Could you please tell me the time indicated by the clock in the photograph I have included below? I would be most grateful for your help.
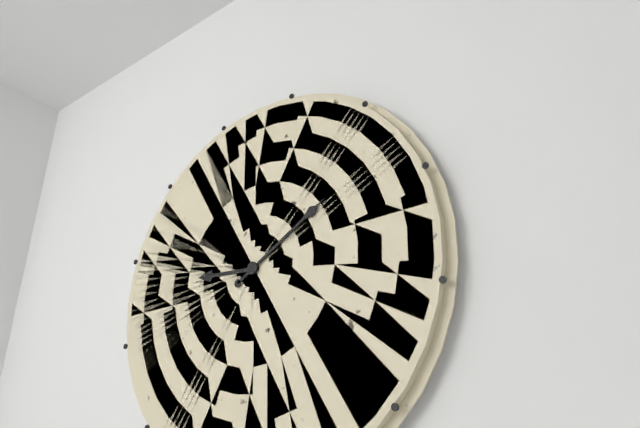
9:10
